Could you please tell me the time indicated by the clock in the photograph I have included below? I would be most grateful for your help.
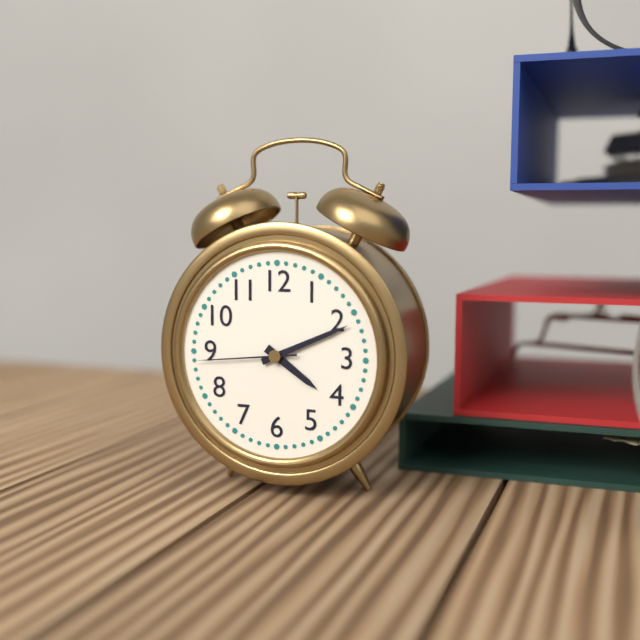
4:11:44
